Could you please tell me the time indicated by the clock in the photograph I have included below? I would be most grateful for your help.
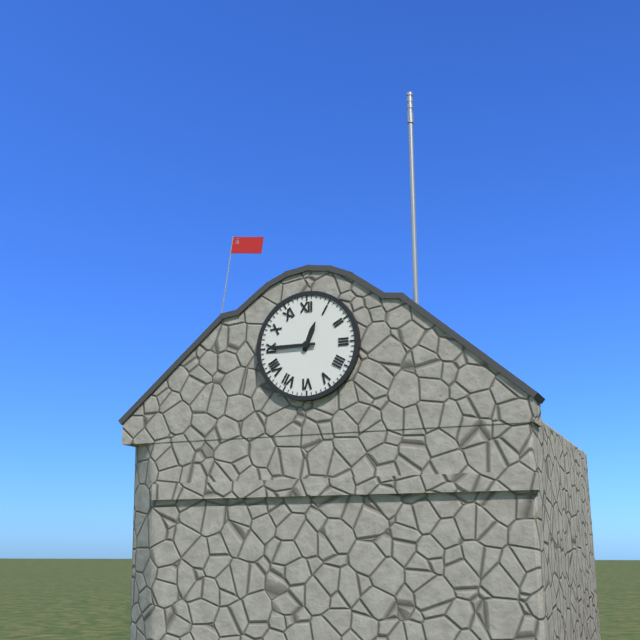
12:45
